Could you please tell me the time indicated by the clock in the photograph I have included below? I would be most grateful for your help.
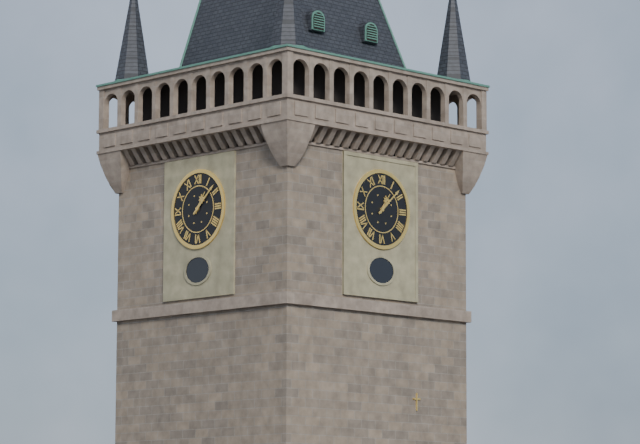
1:08
